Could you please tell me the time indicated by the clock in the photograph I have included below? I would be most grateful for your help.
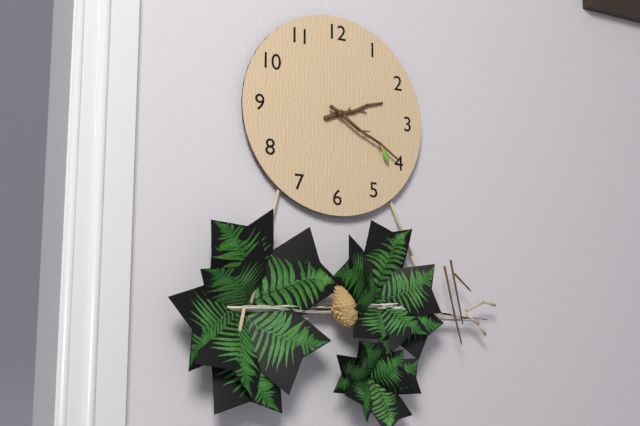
2:20
